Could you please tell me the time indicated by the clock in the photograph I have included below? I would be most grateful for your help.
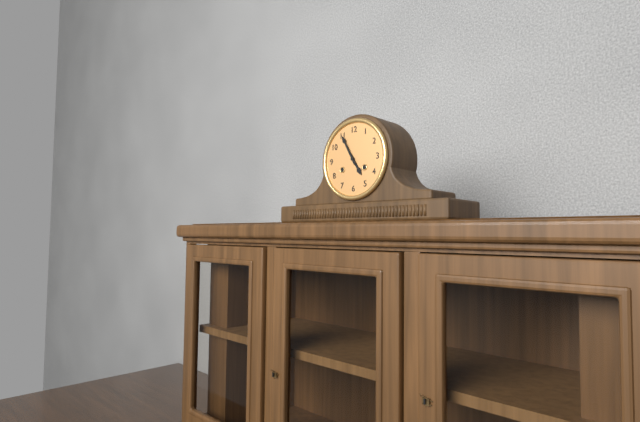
4:55
